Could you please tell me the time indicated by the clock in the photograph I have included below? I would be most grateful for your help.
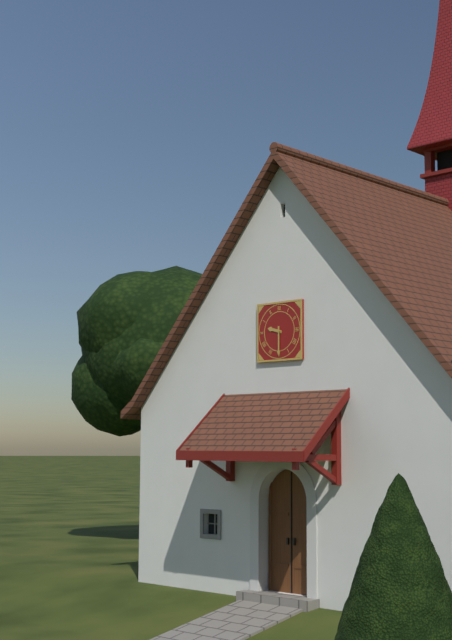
9:30
